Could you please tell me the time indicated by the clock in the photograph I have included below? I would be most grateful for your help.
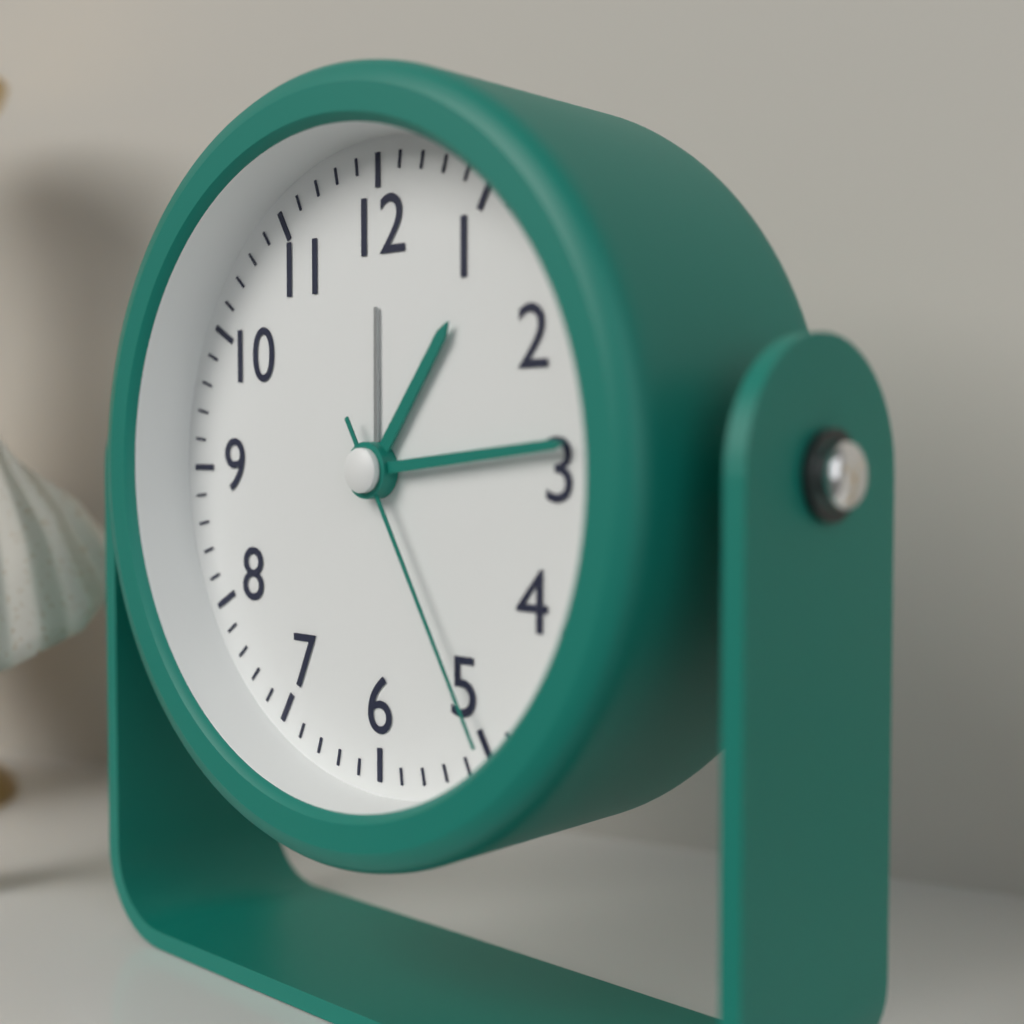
1:14:25
